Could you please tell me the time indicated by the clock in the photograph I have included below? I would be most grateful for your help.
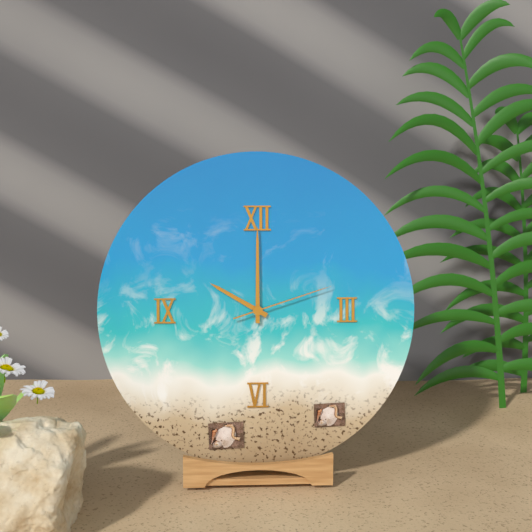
10:00:12
